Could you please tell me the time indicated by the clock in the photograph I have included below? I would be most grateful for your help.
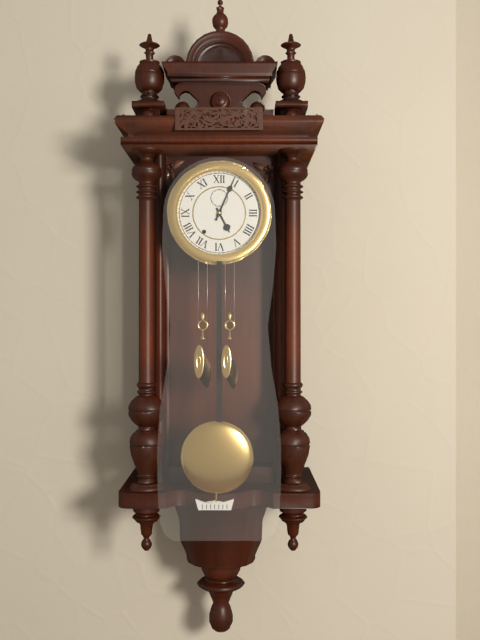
5:04
